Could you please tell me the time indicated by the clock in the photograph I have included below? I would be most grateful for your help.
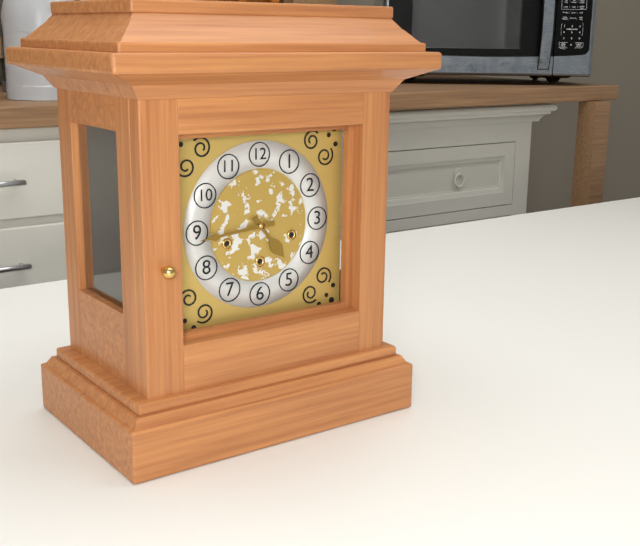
4:44
